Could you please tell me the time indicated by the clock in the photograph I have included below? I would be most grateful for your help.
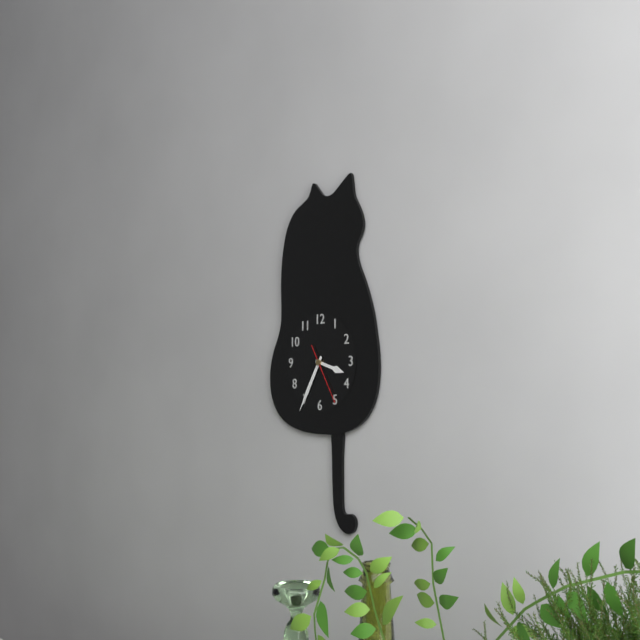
3:35:25
